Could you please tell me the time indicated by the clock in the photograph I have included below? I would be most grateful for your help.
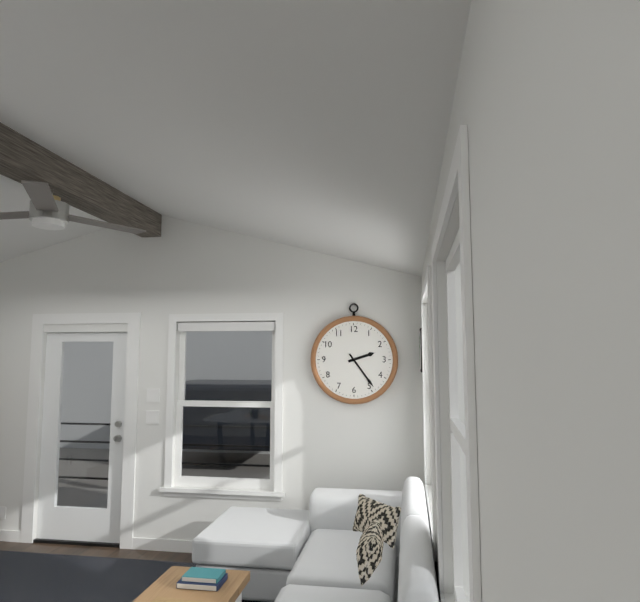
2:24
